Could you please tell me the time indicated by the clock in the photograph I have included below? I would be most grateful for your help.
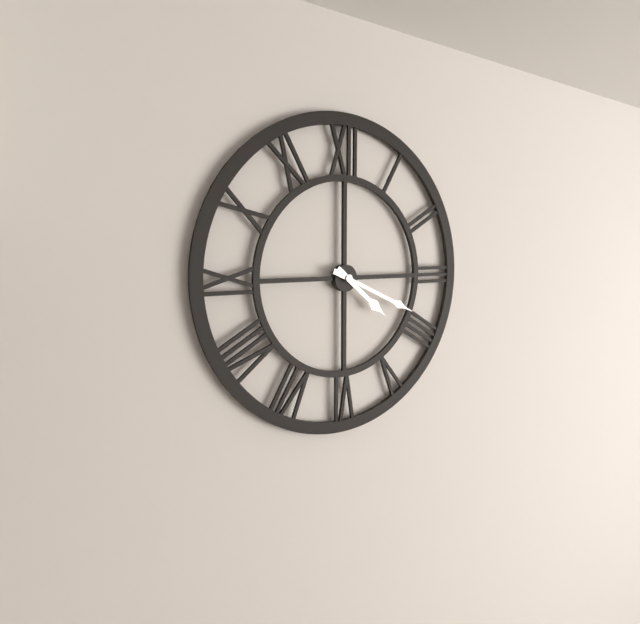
4:19
